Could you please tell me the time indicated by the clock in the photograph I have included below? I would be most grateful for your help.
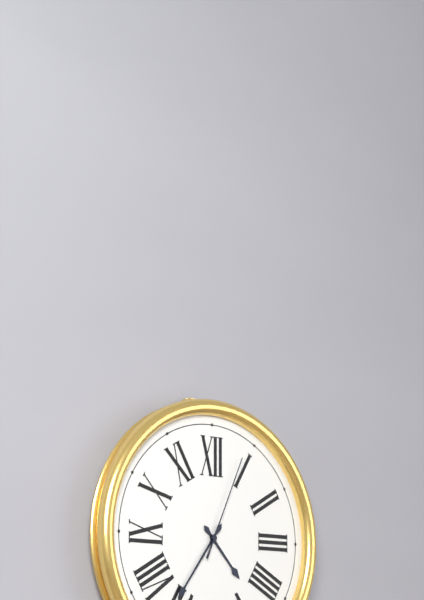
4:36:04
